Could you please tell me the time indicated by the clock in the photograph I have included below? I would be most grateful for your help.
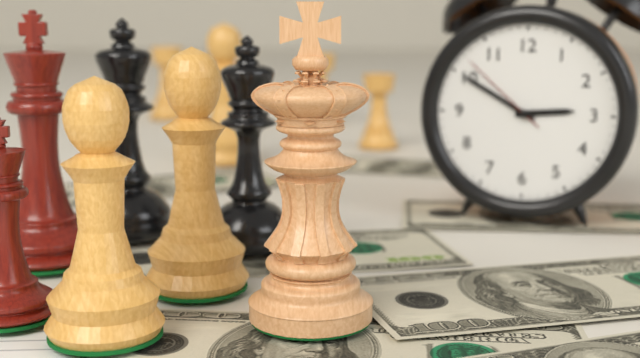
2:50:52
